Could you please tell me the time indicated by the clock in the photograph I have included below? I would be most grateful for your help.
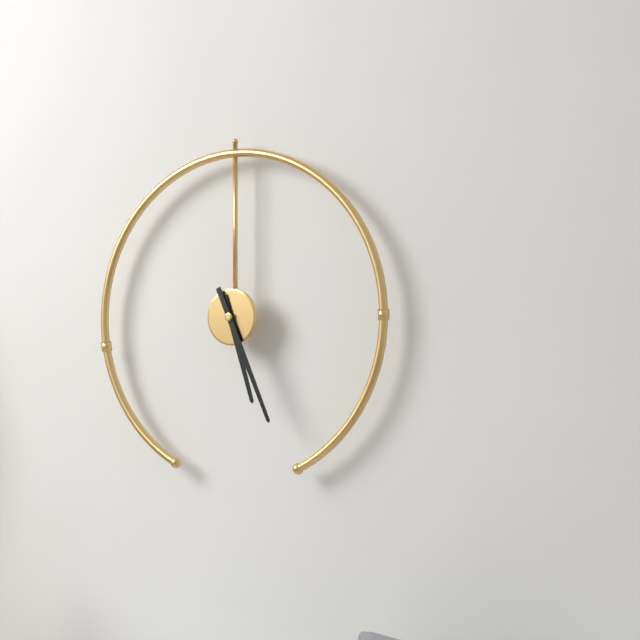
5:26
